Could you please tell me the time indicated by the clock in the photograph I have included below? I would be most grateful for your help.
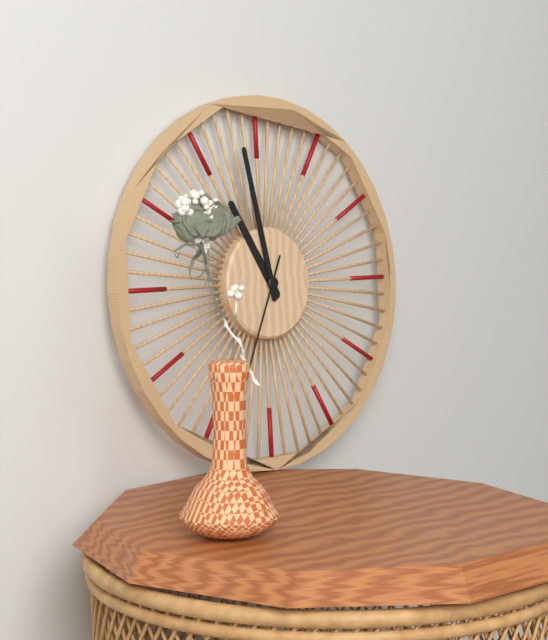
10:58:34
